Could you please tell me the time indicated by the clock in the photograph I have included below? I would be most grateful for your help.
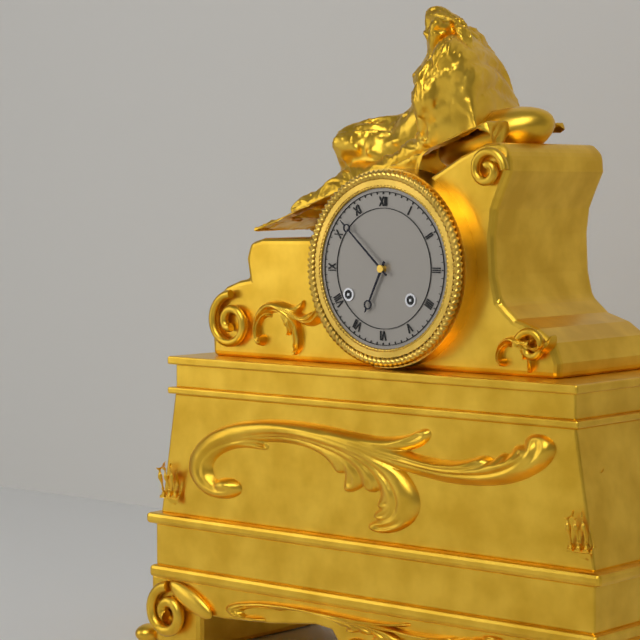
6:52
